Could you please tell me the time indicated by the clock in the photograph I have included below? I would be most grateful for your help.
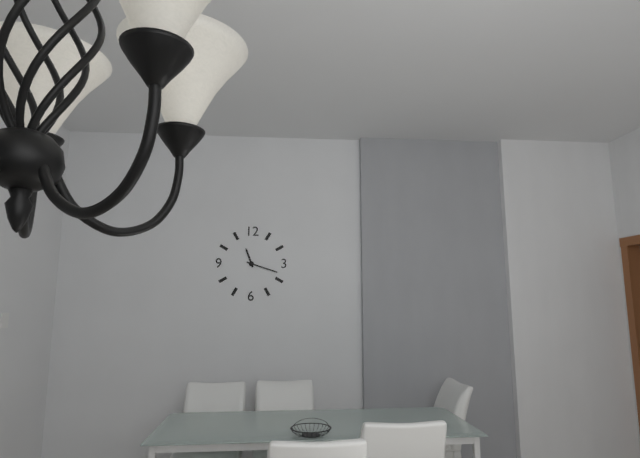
11:18
